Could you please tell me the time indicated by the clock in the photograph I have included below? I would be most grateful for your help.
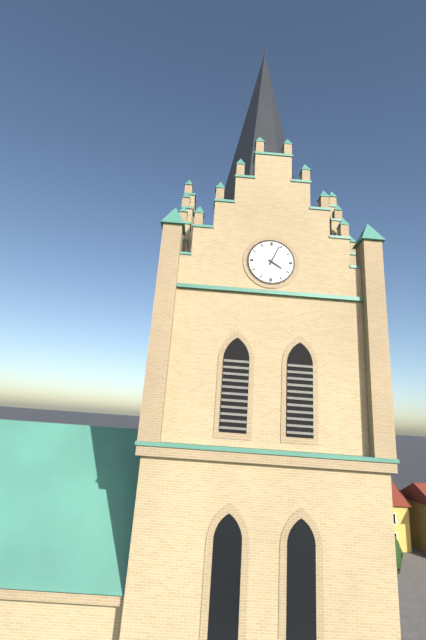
4:04
